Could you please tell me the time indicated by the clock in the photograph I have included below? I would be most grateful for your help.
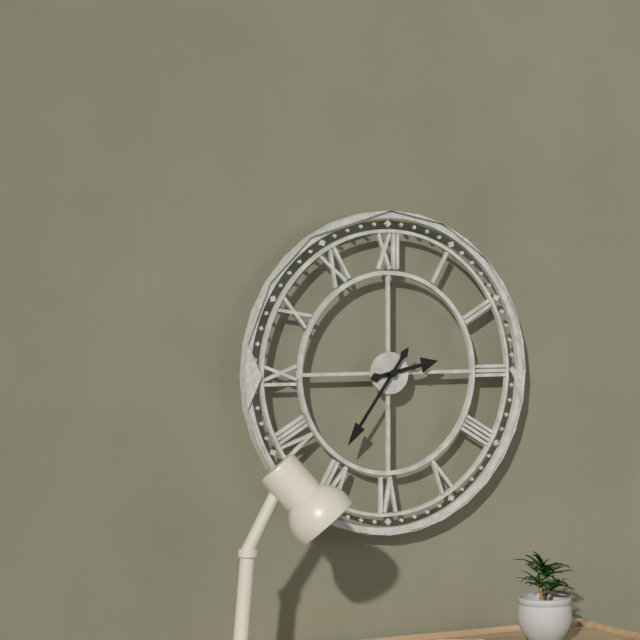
2:36
